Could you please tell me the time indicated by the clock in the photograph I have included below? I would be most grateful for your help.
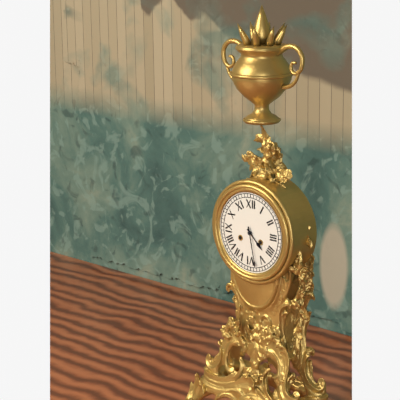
4:28
